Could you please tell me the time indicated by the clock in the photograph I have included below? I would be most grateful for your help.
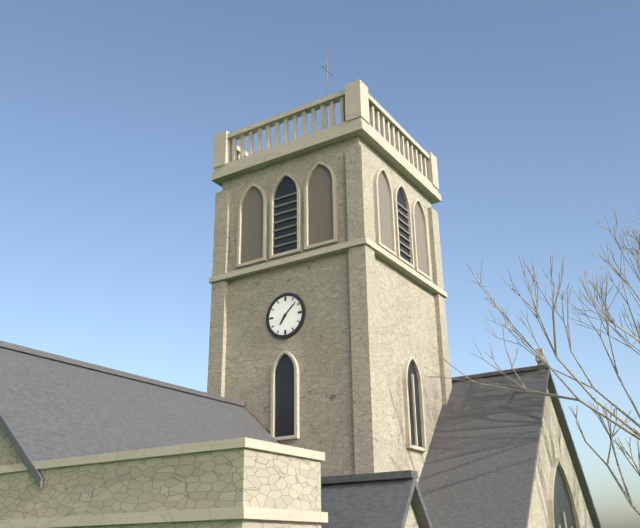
7:08
